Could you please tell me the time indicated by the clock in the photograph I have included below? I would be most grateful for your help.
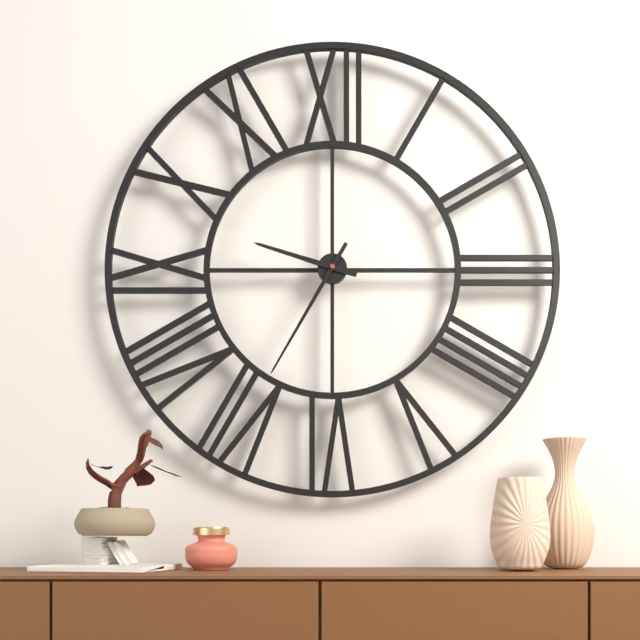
9:35
